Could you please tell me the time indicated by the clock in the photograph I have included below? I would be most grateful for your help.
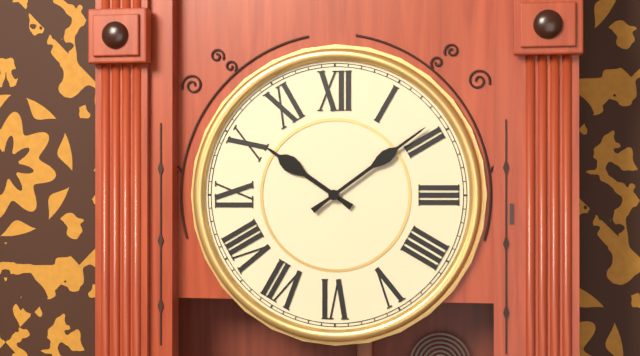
10:09
